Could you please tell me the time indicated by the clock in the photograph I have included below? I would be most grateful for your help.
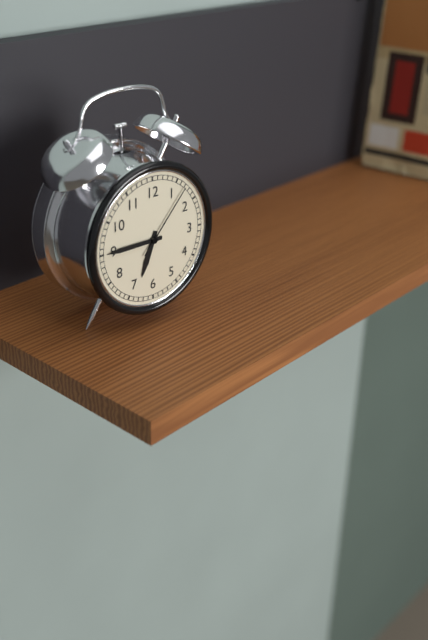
6:45:07
